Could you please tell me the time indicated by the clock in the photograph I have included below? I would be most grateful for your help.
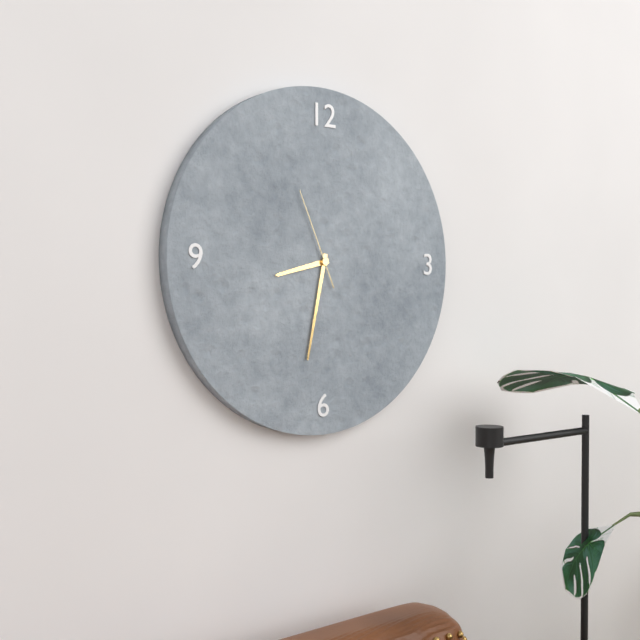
8:32:56
